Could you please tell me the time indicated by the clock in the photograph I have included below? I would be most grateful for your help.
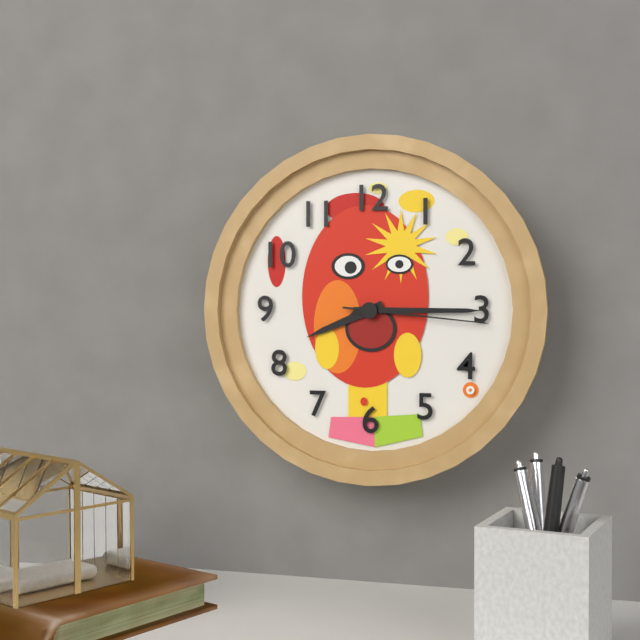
8:15:16
